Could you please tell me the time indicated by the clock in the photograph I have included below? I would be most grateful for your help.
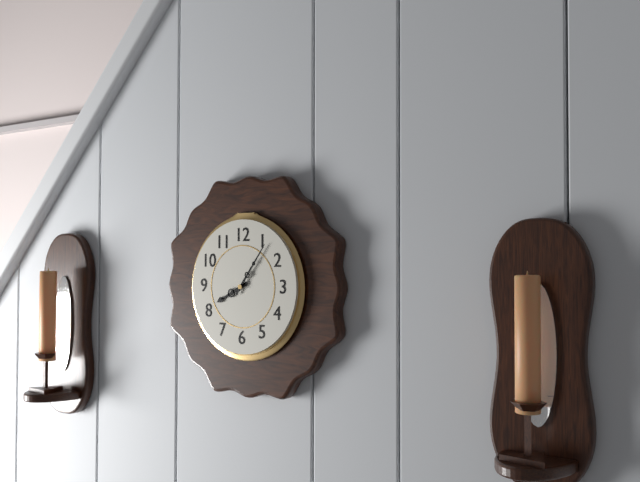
8:06
